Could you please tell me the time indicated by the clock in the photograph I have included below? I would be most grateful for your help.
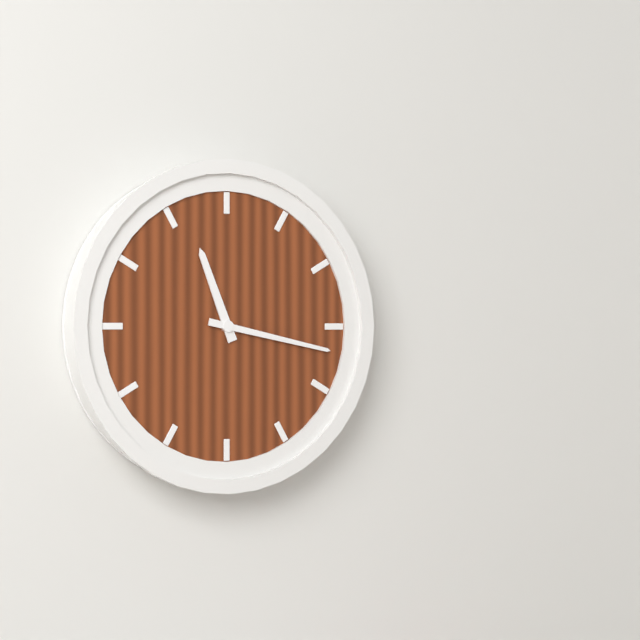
11:17
